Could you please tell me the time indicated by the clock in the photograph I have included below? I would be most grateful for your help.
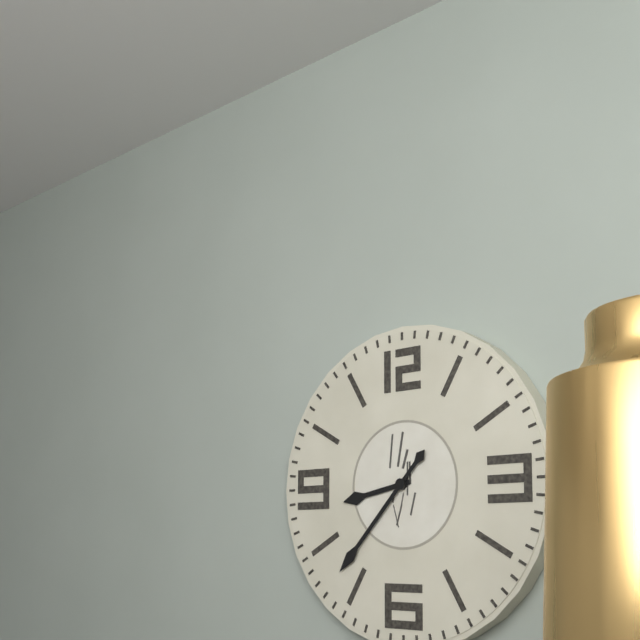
8:37
